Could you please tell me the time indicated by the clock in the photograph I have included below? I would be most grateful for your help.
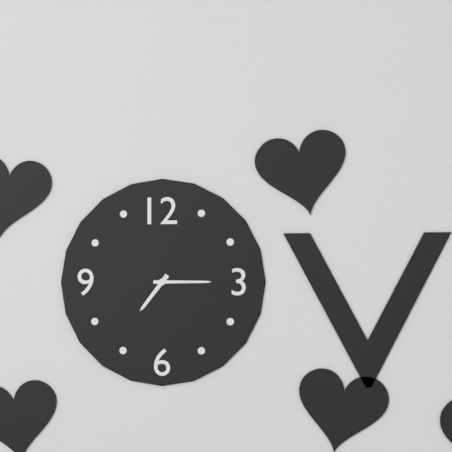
7:15
